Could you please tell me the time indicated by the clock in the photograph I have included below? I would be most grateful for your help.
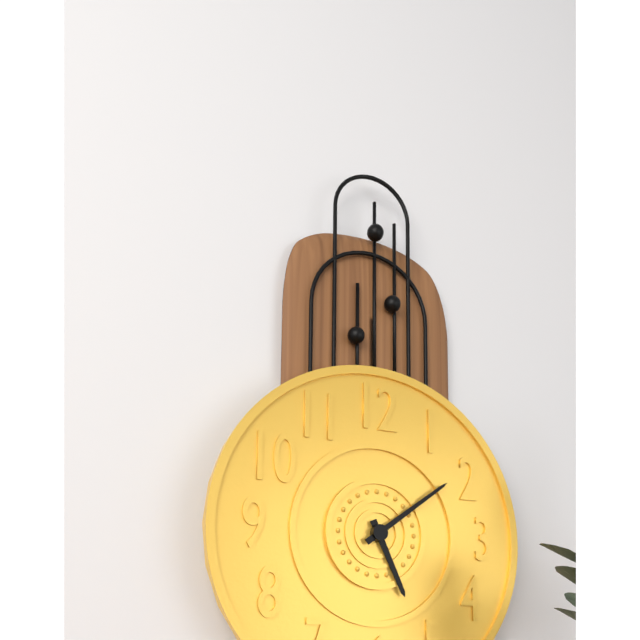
5:09
